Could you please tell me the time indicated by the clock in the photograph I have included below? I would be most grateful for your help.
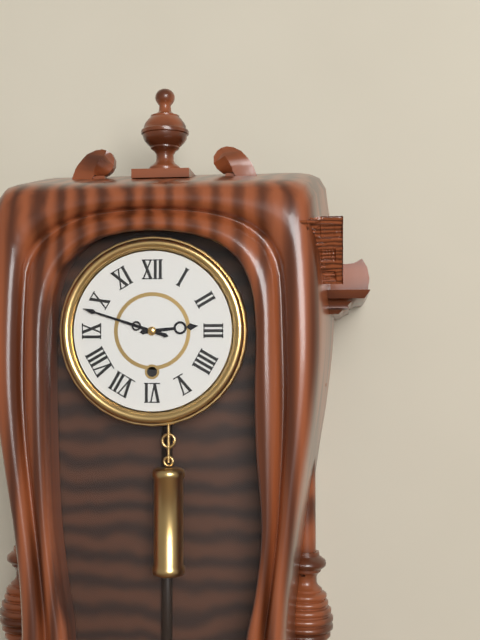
2:48
